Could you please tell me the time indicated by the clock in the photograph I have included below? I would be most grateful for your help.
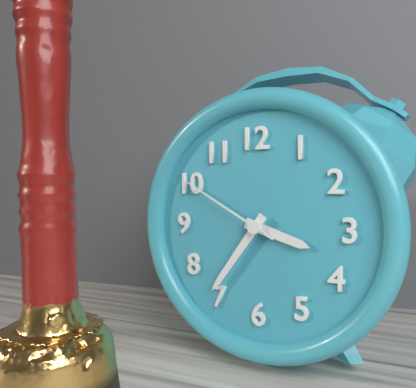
3:36:50
